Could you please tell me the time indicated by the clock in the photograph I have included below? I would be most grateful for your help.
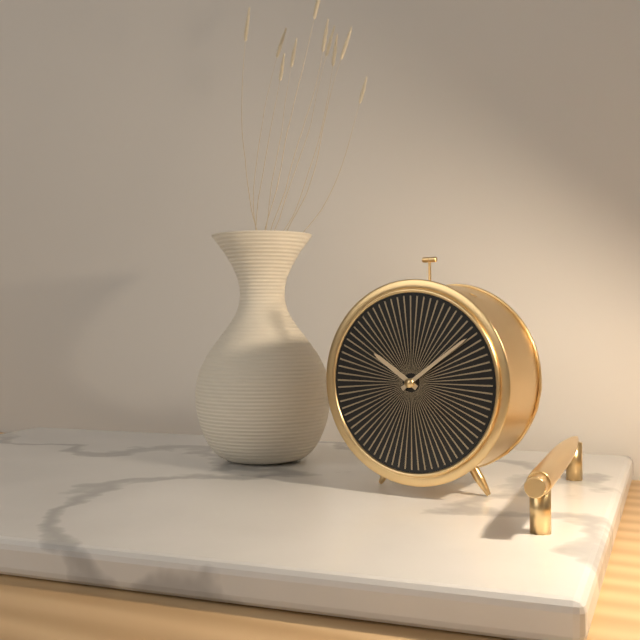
10:09
